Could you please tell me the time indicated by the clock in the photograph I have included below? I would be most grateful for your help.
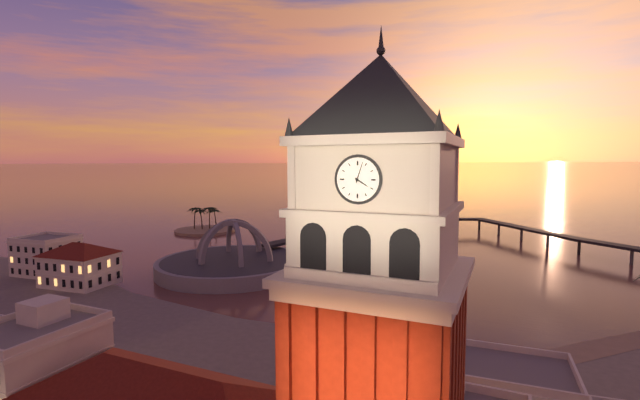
4:03
